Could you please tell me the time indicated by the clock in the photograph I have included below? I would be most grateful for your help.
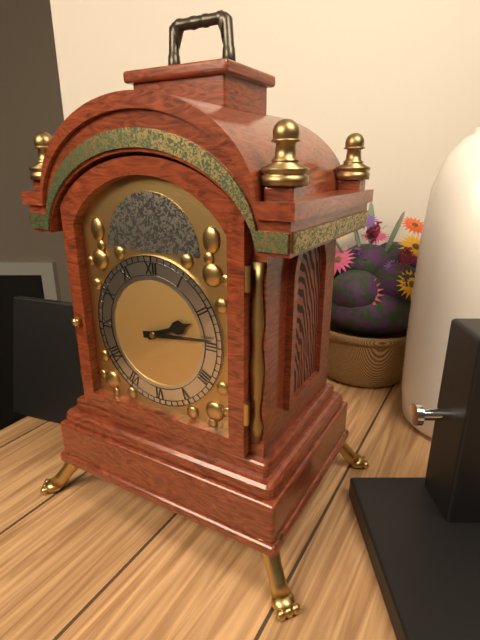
2:14
